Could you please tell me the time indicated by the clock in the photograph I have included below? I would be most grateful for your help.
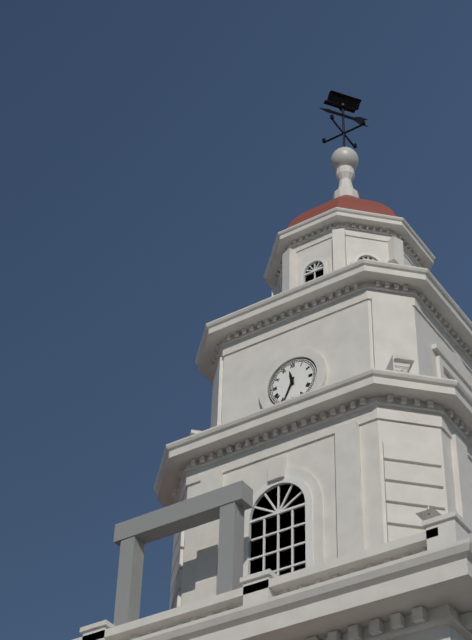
11:34
